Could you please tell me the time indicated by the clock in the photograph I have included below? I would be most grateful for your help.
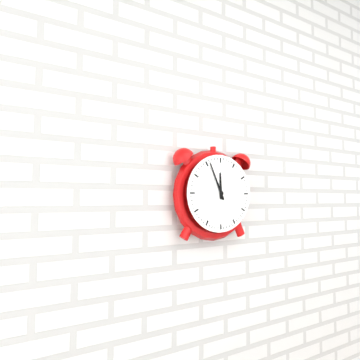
11:56
